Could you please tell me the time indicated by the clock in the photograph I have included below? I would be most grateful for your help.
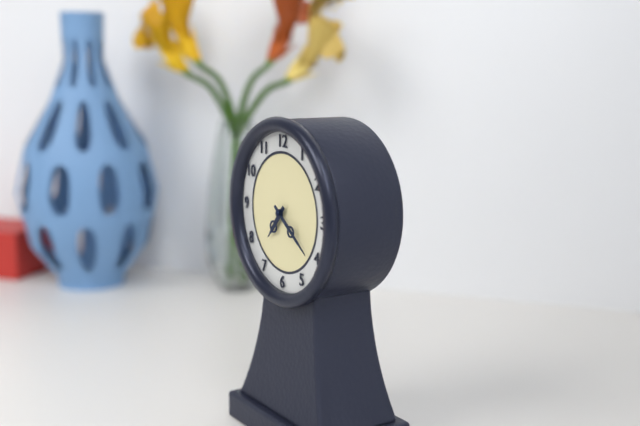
7:21
